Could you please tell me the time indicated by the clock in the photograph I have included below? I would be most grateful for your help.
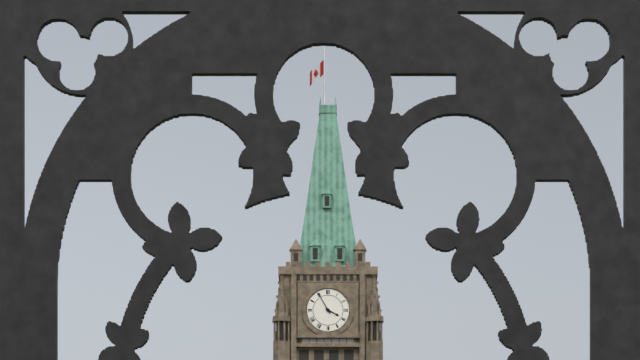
3:55
